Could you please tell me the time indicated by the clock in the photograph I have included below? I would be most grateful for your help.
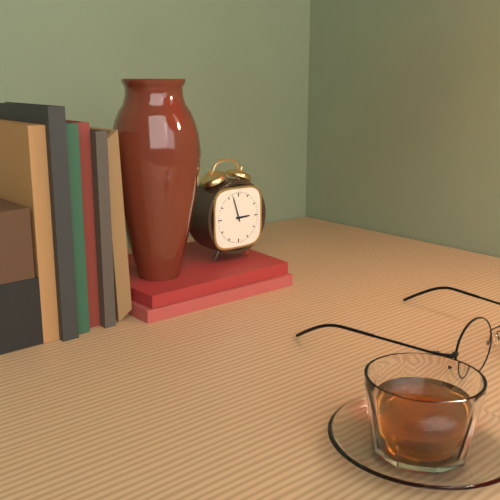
2:57
